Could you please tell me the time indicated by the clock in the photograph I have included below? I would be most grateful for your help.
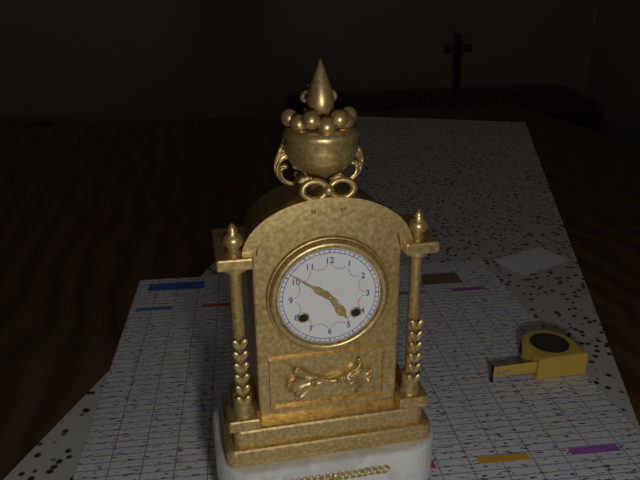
4:51
